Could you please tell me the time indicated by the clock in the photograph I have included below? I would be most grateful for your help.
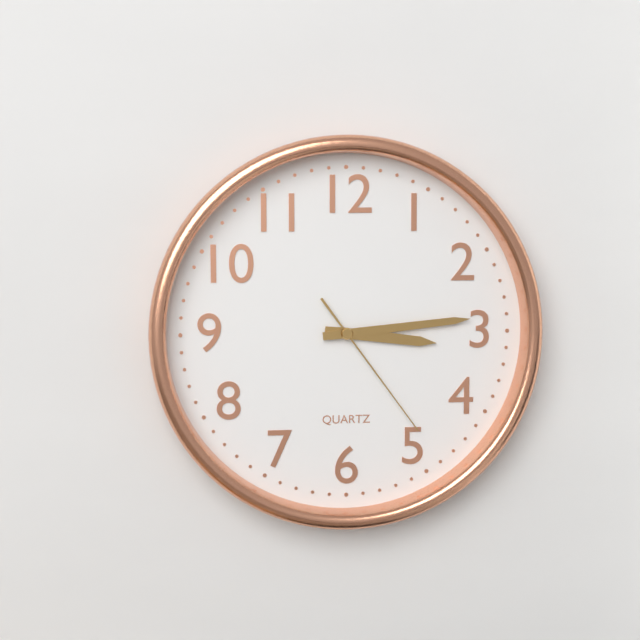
3:14:24
